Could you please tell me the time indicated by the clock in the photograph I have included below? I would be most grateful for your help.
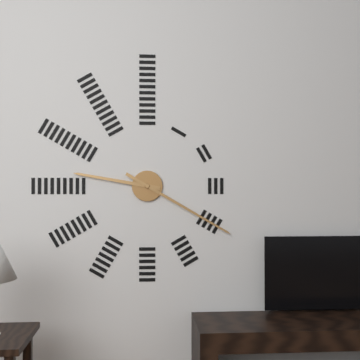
9:20
